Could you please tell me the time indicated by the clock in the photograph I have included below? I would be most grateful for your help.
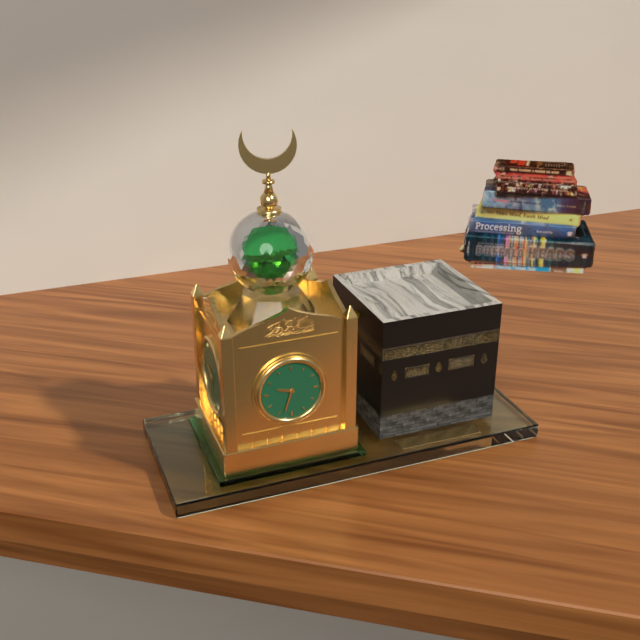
9:33
